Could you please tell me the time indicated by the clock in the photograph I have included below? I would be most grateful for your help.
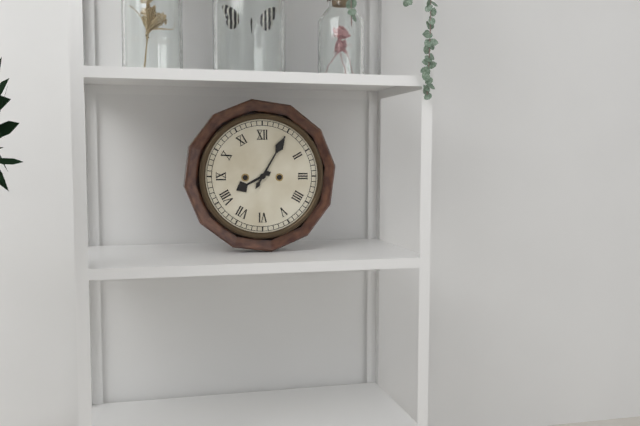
8:05
